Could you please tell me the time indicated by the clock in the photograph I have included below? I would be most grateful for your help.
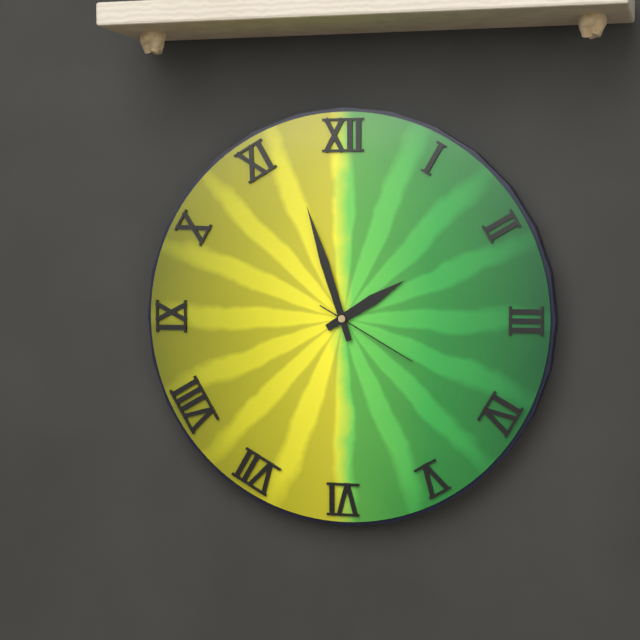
1:57:20
